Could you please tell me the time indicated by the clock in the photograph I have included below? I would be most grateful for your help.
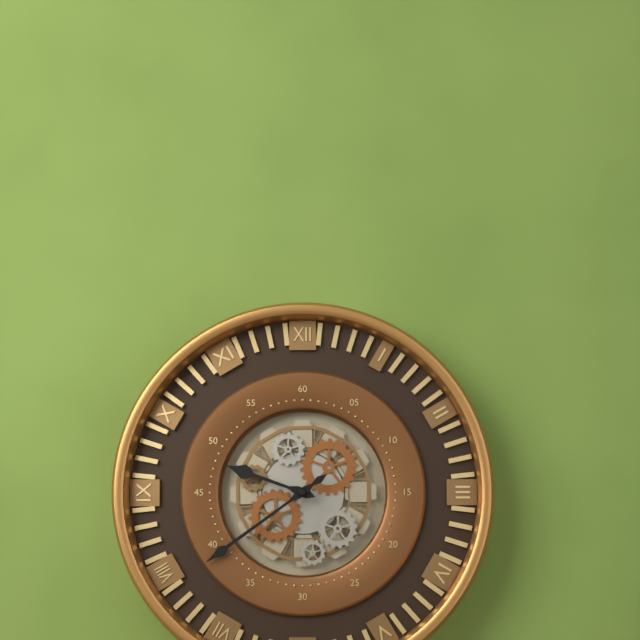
9:39
